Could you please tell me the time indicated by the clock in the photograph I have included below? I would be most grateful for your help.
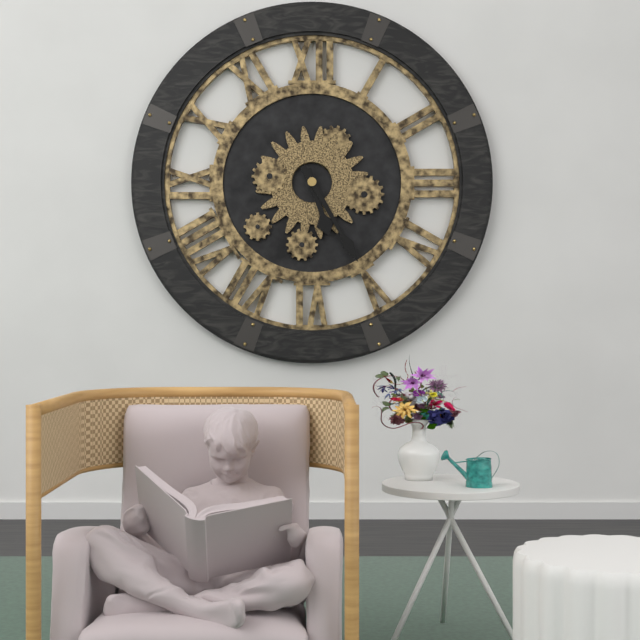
5:25
